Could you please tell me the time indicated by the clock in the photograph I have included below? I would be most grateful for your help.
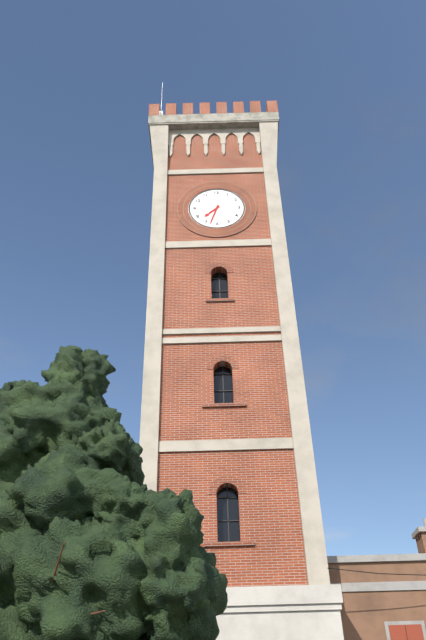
7:33
